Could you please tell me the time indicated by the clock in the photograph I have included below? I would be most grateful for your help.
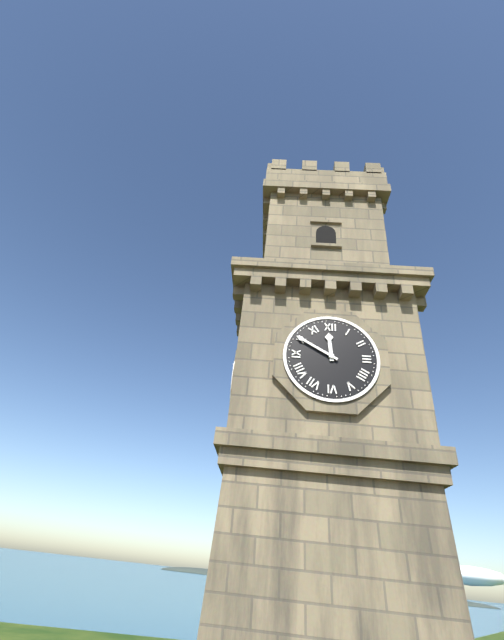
11:50
